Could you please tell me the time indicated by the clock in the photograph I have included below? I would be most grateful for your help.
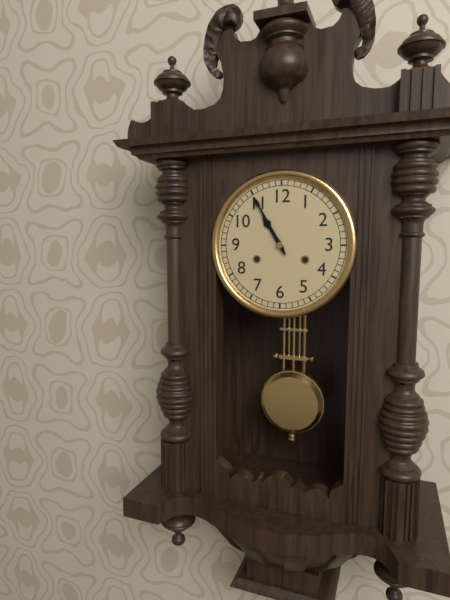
10:55
